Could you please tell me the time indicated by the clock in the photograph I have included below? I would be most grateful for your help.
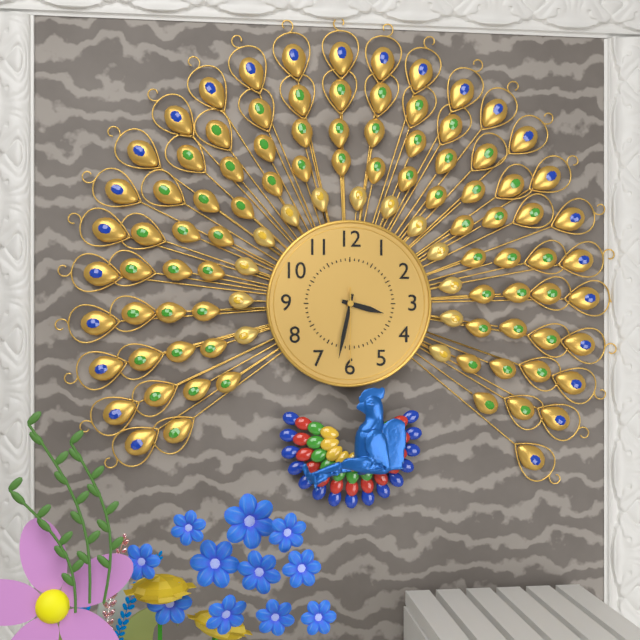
3:32:30
